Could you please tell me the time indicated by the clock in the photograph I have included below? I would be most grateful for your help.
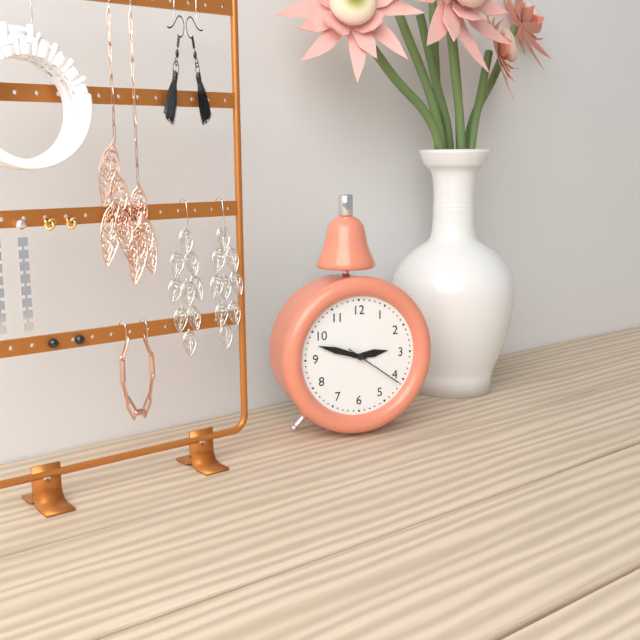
2:48:21
